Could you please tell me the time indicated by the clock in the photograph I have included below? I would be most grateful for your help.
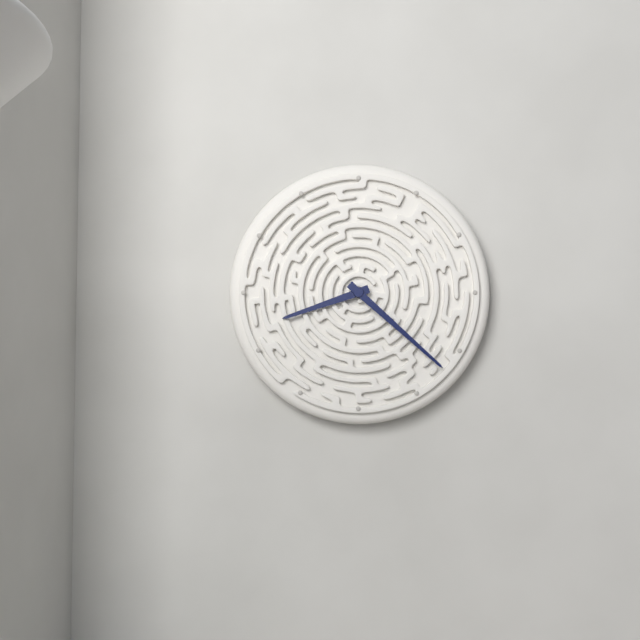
8:22
